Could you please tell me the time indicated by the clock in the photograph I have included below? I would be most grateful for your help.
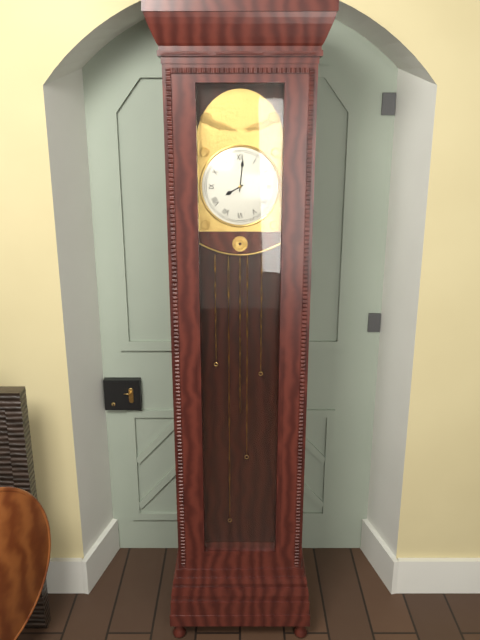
8:01
